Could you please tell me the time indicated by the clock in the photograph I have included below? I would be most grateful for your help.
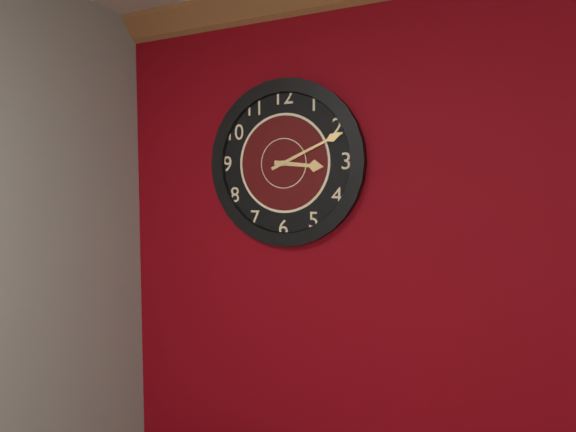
3:11
